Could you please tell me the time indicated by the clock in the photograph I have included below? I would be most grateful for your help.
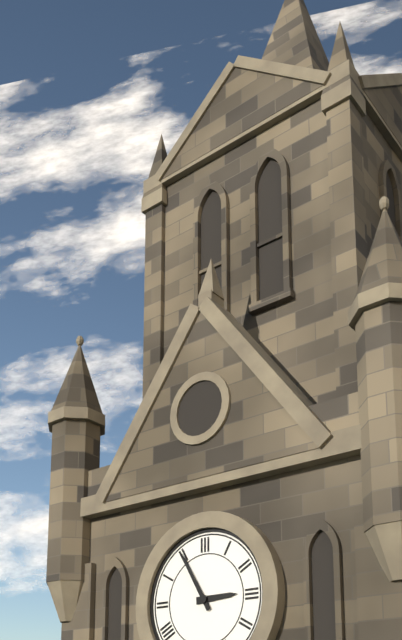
2:55
